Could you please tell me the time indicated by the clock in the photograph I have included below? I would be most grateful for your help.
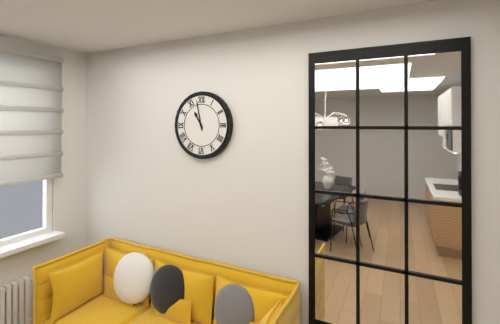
10:58
